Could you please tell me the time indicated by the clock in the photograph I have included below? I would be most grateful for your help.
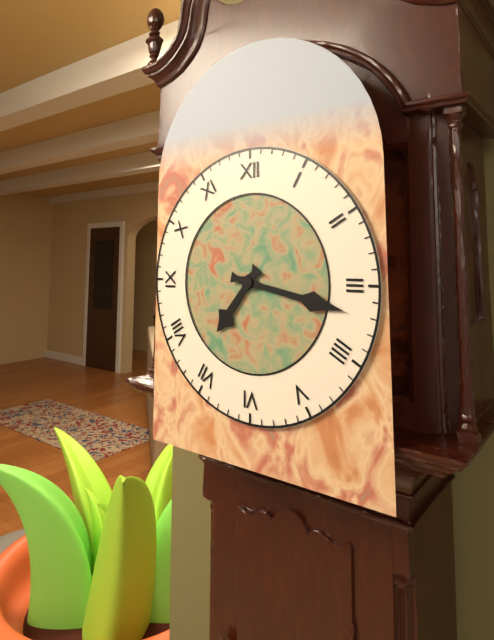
7:17
